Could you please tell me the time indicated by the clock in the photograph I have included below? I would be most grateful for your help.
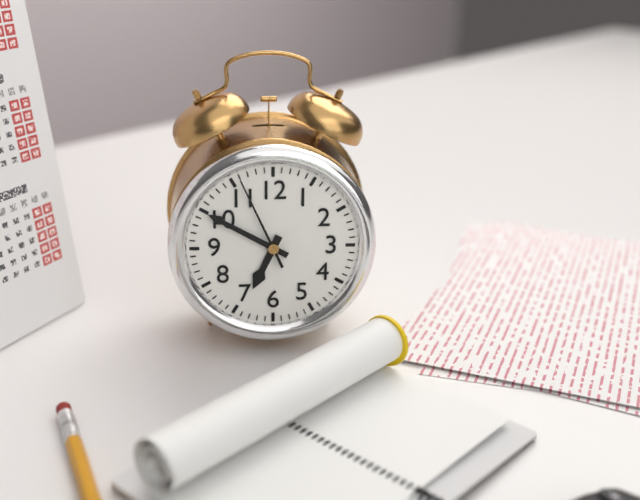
6:50:56
